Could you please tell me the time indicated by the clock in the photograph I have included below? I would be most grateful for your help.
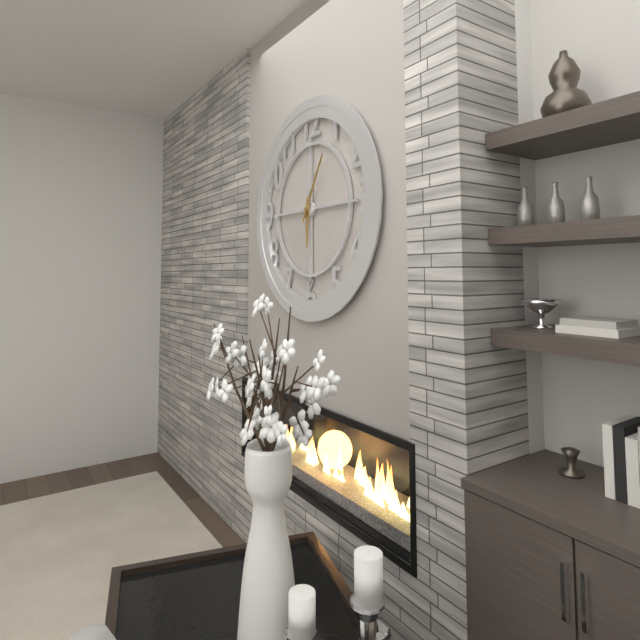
6:05
